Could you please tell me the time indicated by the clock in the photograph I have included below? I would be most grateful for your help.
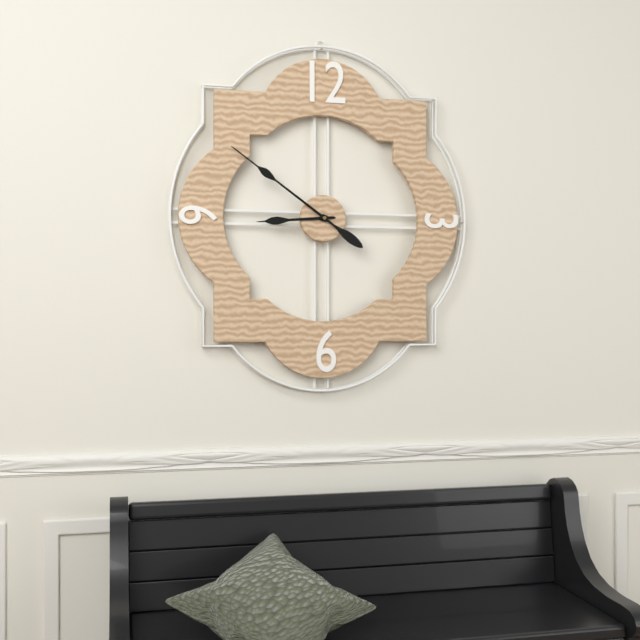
8:51
